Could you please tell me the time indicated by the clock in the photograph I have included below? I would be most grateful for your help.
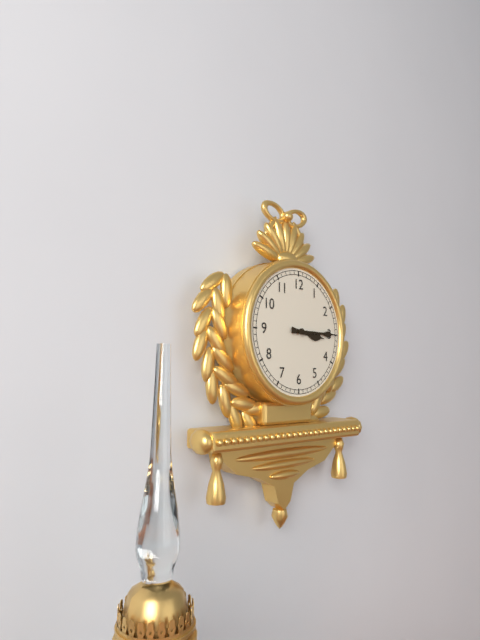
3:15
